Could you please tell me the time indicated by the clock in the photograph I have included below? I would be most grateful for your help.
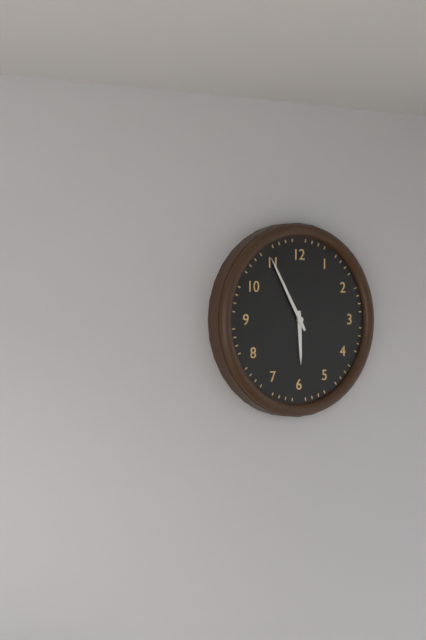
5:55
